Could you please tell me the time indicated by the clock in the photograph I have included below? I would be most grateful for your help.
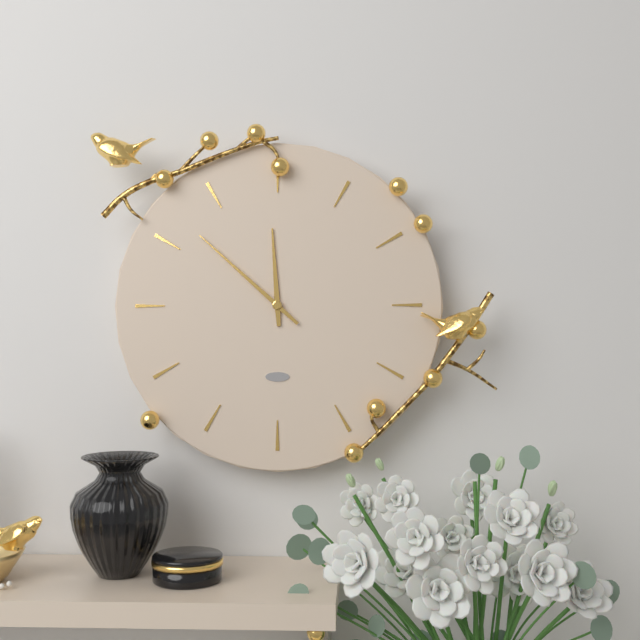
11:52
